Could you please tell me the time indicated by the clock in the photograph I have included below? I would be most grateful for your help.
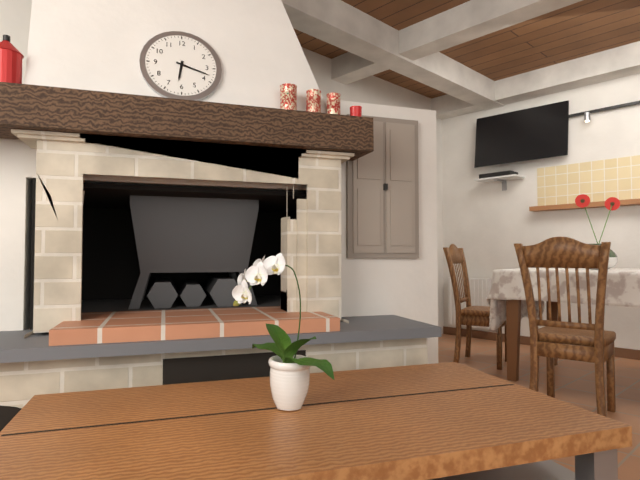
6:18
